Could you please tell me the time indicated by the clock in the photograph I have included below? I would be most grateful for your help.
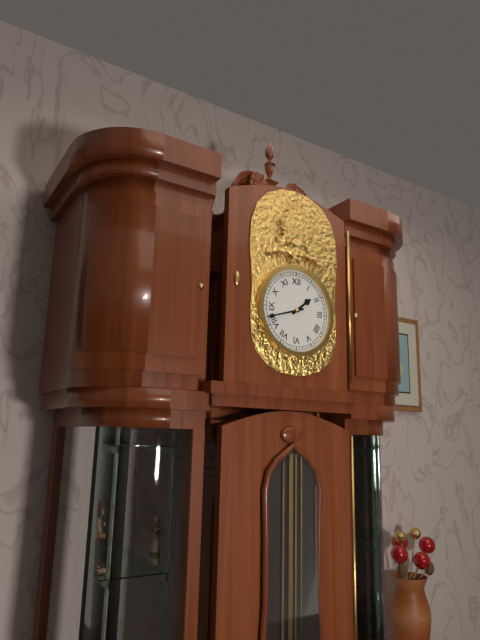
1:42
